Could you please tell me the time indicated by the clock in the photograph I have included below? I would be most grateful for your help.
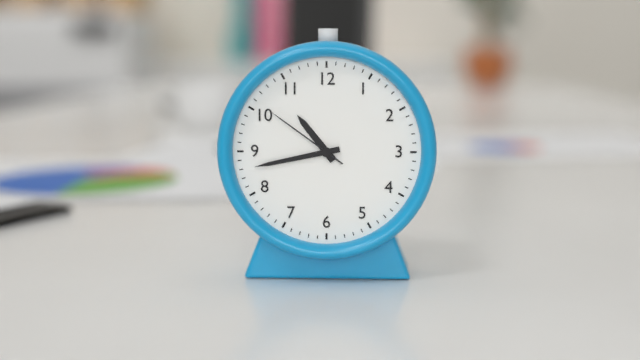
10:43:51
